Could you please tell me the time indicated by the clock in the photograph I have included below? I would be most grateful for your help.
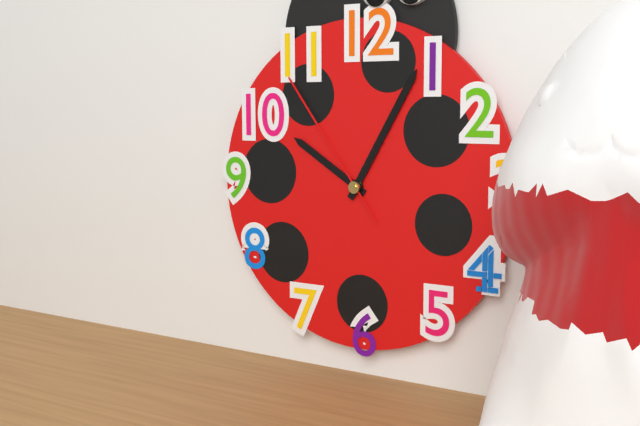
10:05:54
